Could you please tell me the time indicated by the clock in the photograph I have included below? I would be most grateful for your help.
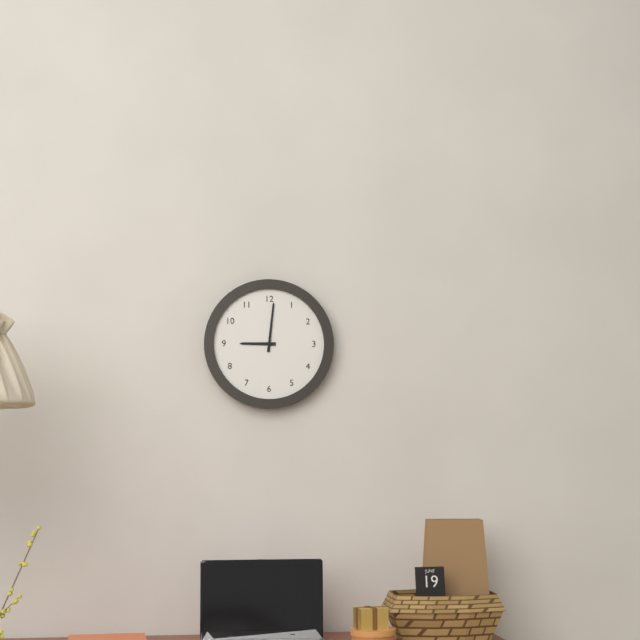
9:01
